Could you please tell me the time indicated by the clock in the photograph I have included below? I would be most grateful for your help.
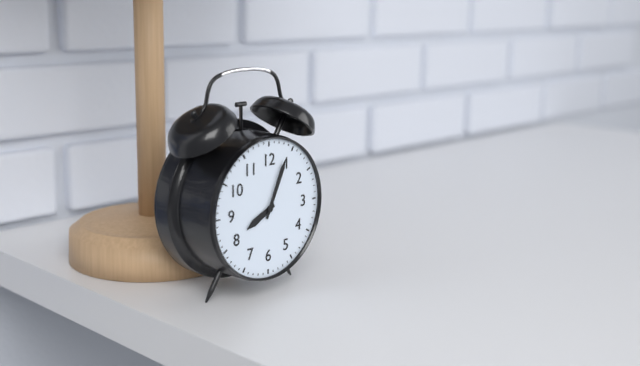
8:04
